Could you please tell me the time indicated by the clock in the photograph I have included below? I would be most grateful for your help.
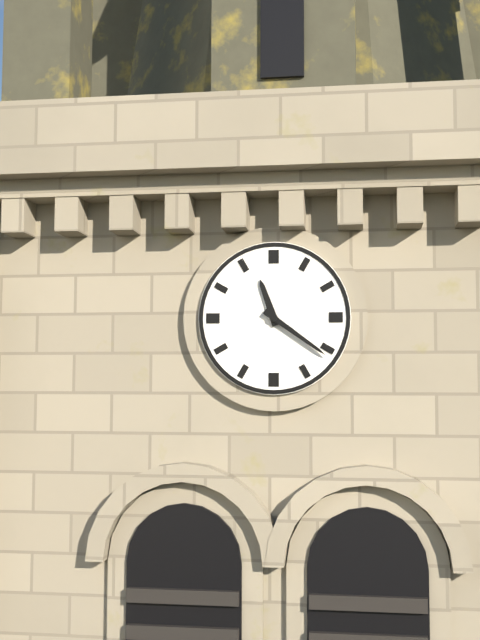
11:21
